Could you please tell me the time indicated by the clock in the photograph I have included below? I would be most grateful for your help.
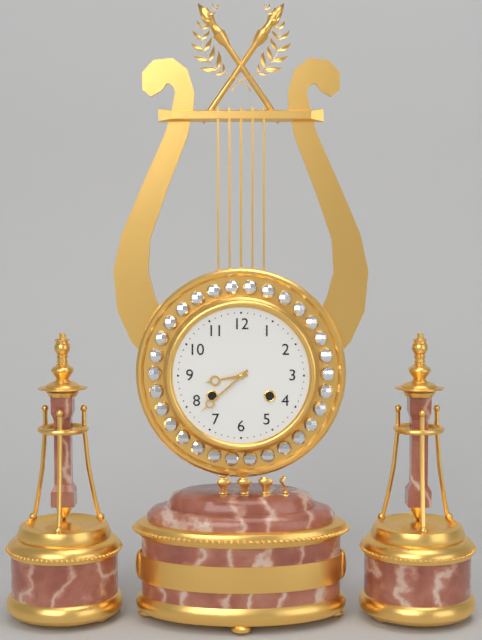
8:38
